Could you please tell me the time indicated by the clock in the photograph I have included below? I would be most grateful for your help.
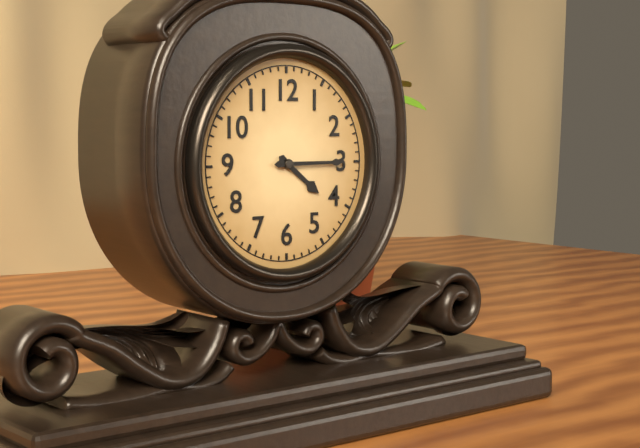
4:15
